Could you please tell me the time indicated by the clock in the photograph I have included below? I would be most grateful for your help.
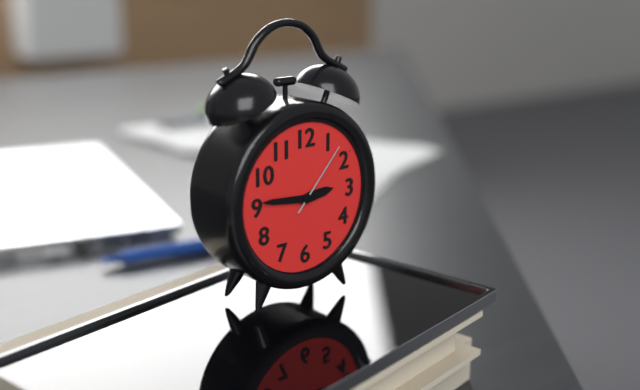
2:46:07
